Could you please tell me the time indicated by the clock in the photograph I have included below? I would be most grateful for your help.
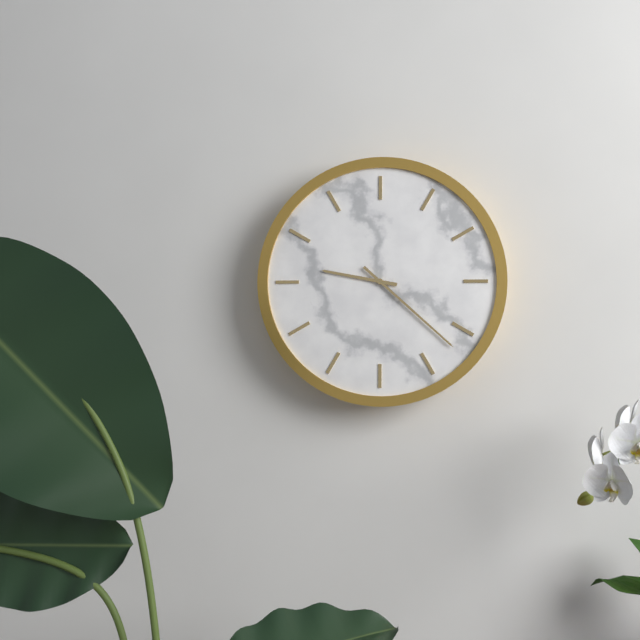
9:22
